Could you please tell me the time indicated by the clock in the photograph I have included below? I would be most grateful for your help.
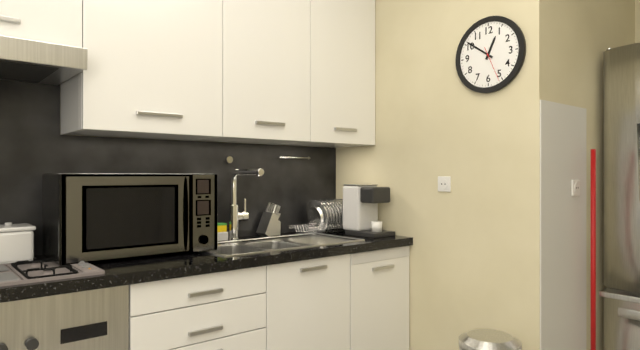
12:51
